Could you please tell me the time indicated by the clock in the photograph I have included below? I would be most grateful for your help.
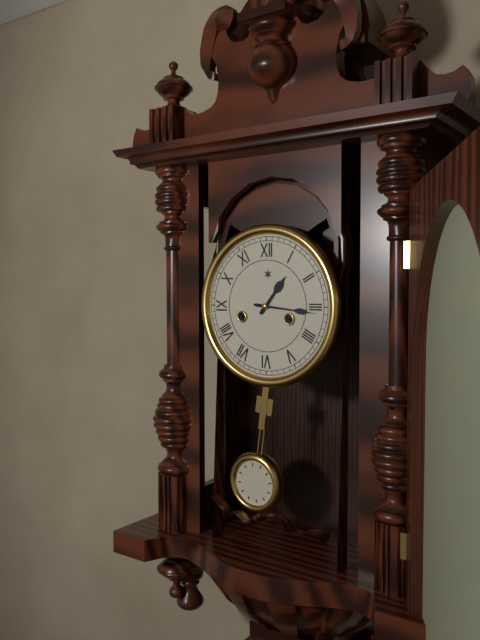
1:16
